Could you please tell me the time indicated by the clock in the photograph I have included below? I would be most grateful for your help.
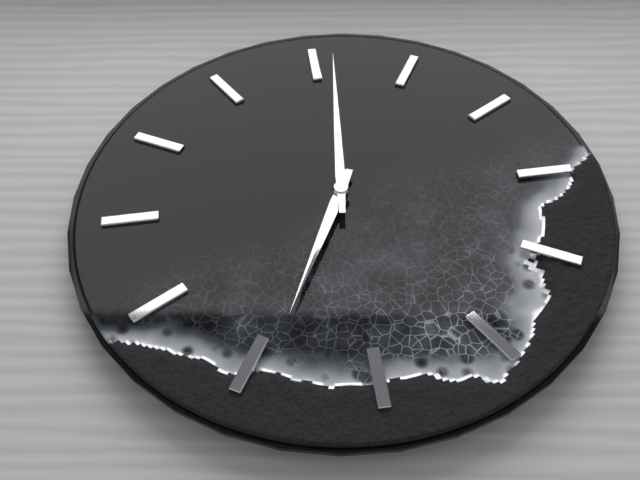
4:51
